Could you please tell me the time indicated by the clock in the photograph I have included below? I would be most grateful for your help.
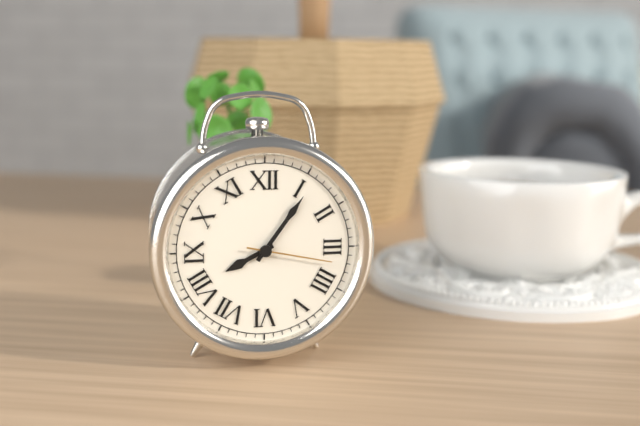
8:06:17
